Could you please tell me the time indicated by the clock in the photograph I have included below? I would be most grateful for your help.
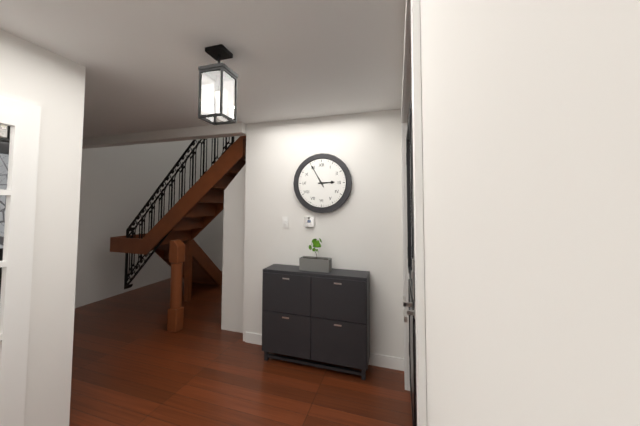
2:55
